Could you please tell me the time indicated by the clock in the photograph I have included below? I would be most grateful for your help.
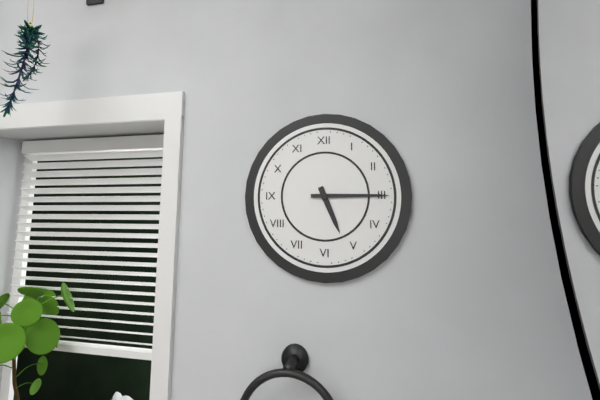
5:15
